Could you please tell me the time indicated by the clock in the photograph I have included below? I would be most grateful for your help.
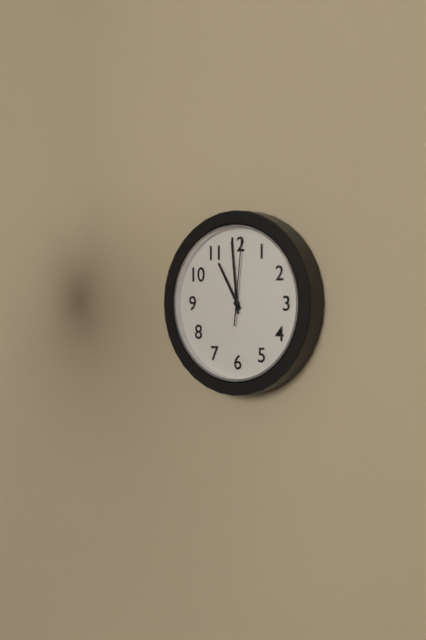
10:59:01
